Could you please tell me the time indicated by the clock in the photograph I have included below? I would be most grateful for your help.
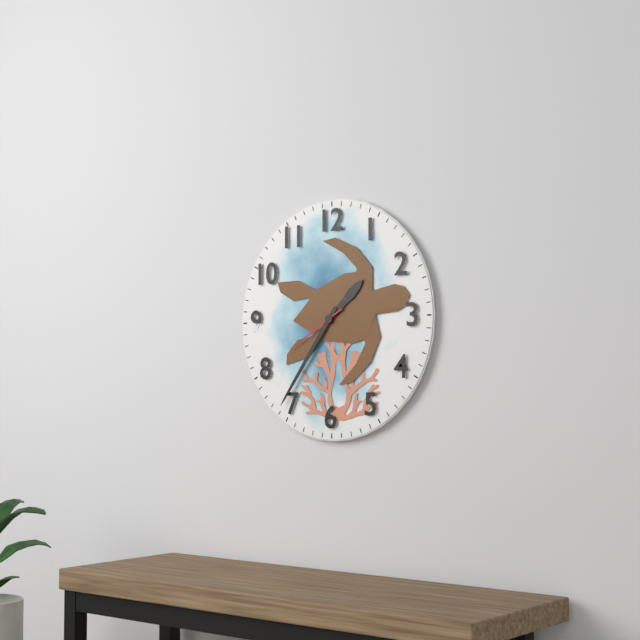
1:36:40
